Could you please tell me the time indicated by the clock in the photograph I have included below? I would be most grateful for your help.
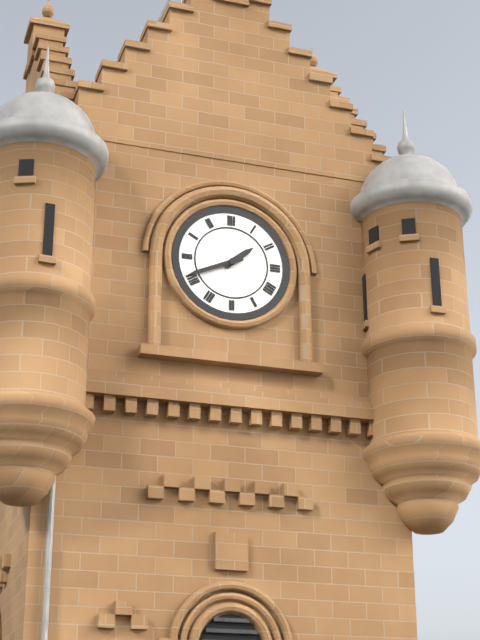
1:41
